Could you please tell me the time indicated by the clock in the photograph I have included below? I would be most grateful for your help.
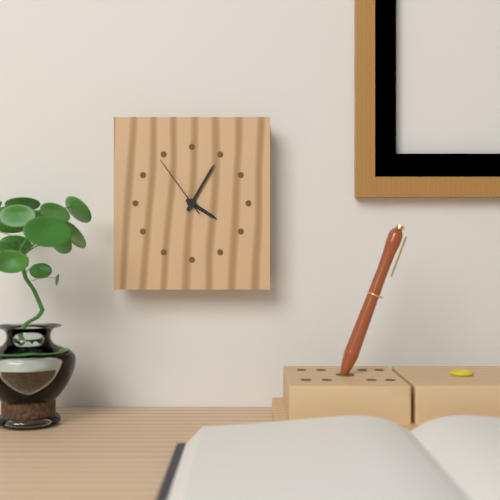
4:05:54
